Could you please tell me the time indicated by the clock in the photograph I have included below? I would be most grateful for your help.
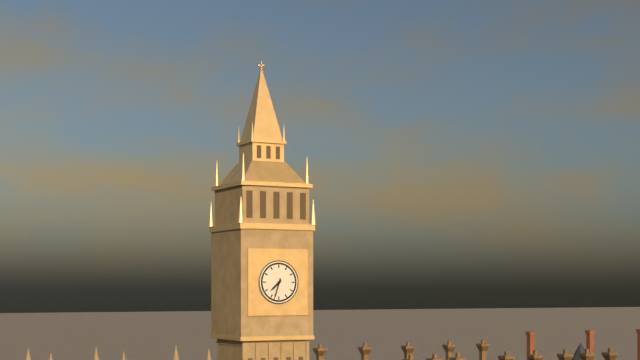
7:33
